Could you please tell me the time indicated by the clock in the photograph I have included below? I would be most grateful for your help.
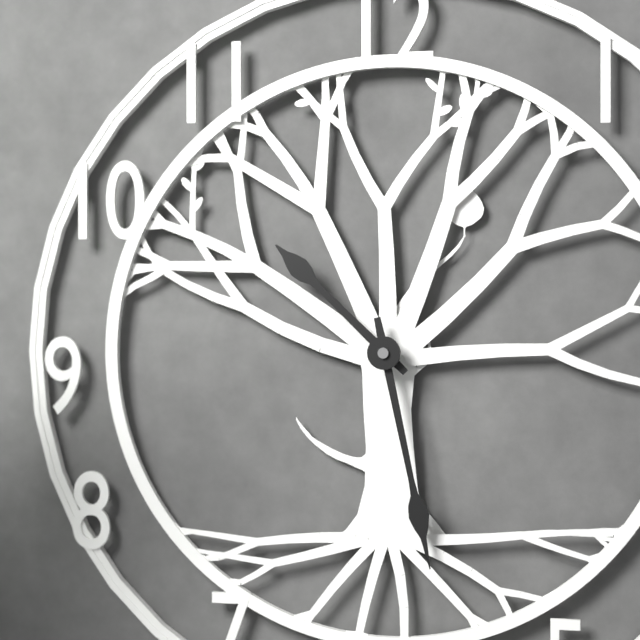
10:28
